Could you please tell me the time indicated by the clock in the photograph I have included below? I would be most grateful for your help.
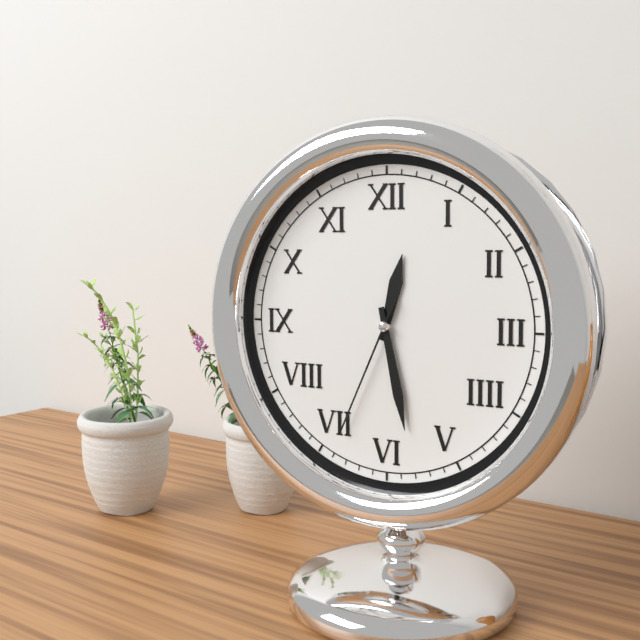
12:28:34
